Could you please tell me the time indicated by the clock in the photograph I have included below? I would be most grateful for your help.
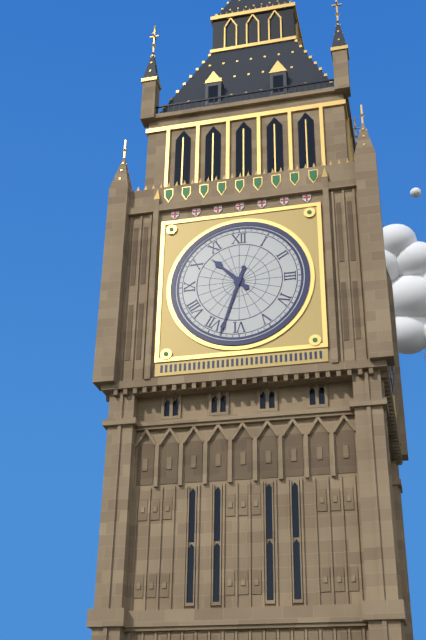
10:33
